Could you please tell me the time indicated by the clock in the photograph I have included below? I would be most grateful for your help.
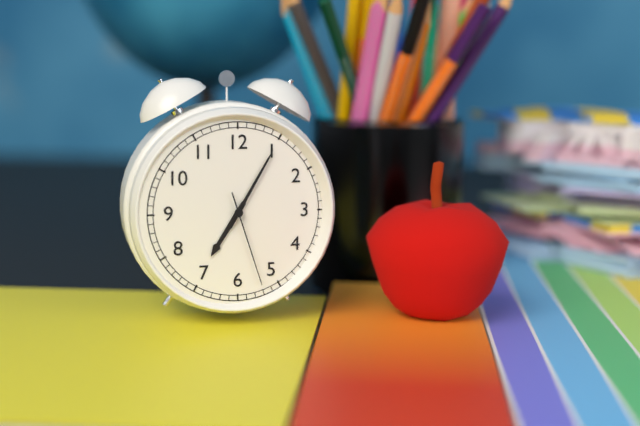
7:05:27
